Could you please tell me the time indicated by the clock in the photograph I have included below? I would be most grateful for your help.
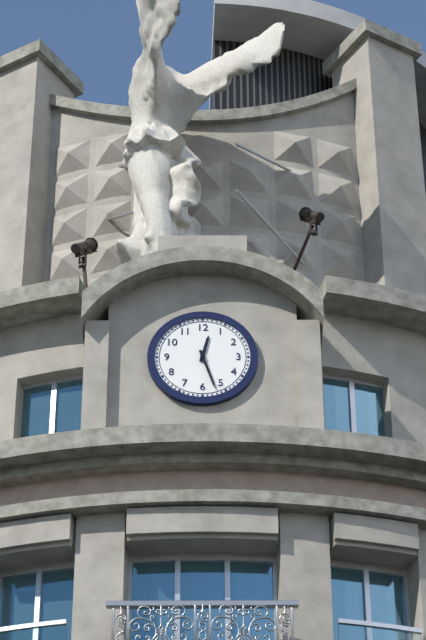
12:27
